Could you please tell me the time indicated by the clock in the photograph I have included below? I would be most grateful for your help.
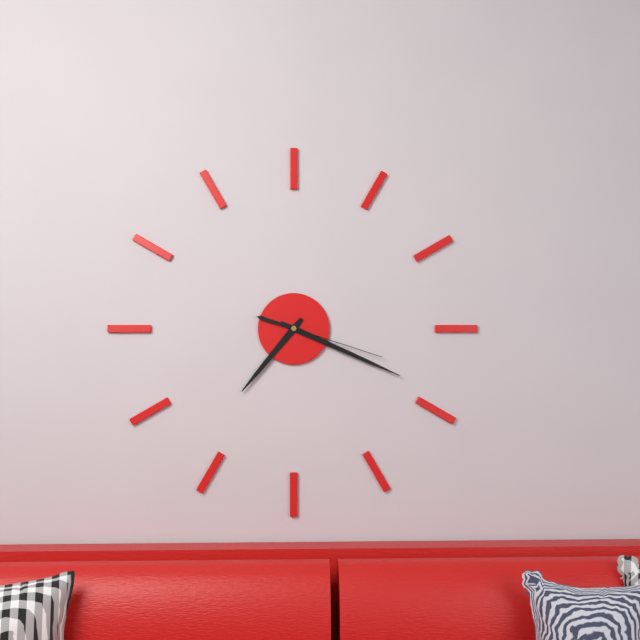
7:19:18
